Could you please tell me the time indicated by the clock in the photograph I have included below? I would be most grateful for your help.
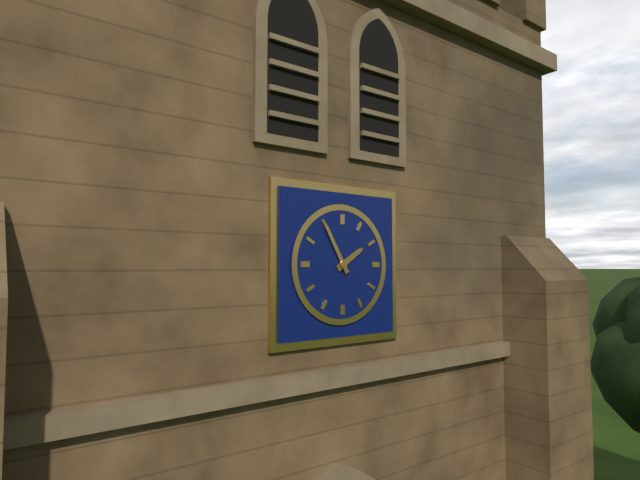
1:55
